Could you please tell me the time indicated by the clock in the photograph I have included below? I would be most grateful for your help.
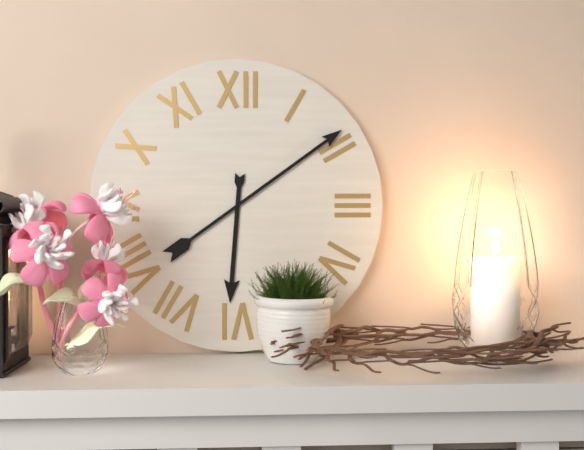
6:09
